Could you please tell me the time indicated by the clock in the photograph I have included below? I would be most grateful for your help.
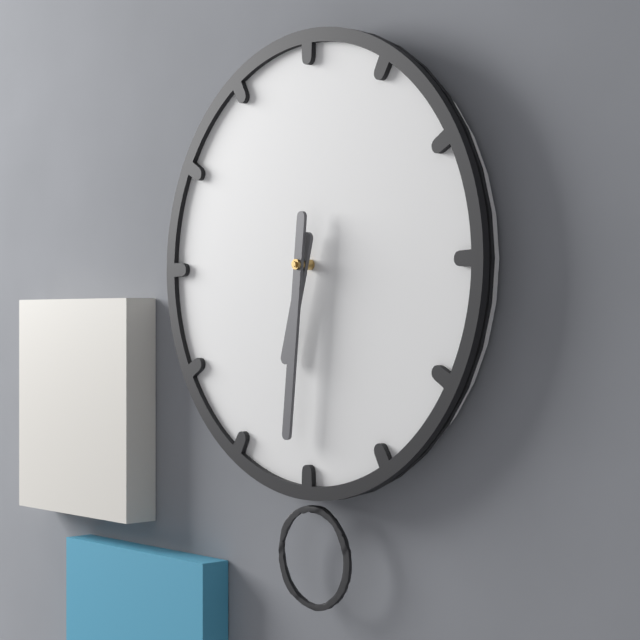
6:31
